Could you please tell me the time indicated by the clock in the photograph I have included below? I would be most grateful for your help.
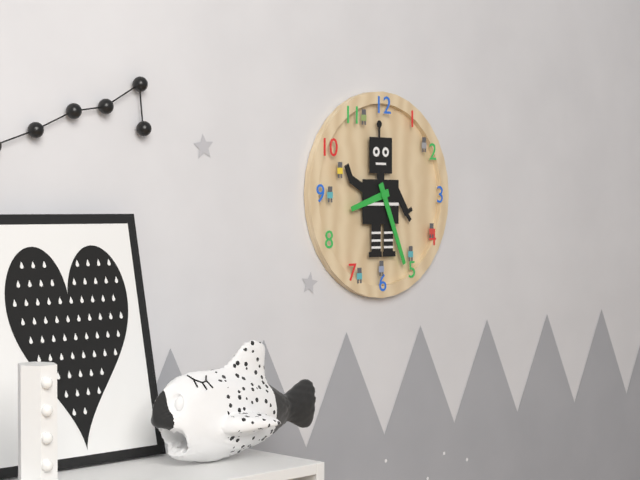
8:26
